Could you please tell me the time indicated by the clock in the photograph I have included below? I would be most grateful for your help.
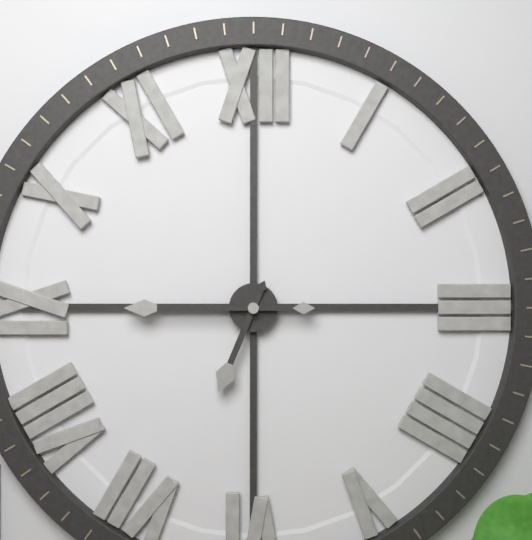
6:45
